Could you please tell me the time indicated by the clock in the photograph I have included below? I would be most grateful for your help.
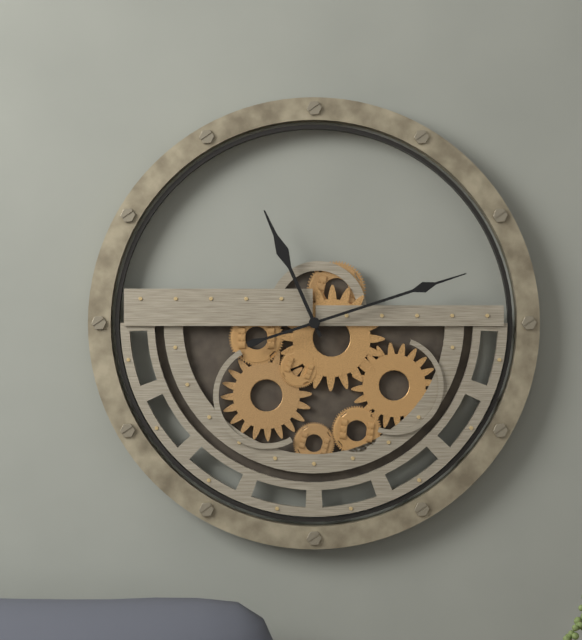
11:12
